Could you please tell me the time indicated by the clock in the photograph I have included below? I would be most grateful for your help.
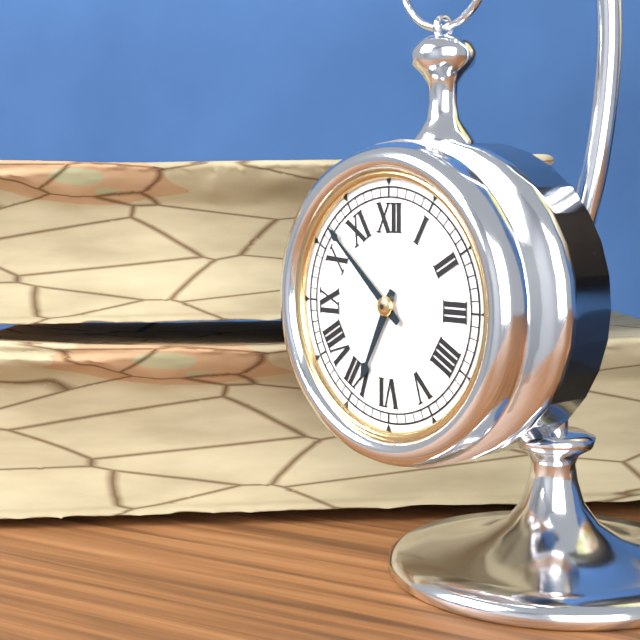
6:52
